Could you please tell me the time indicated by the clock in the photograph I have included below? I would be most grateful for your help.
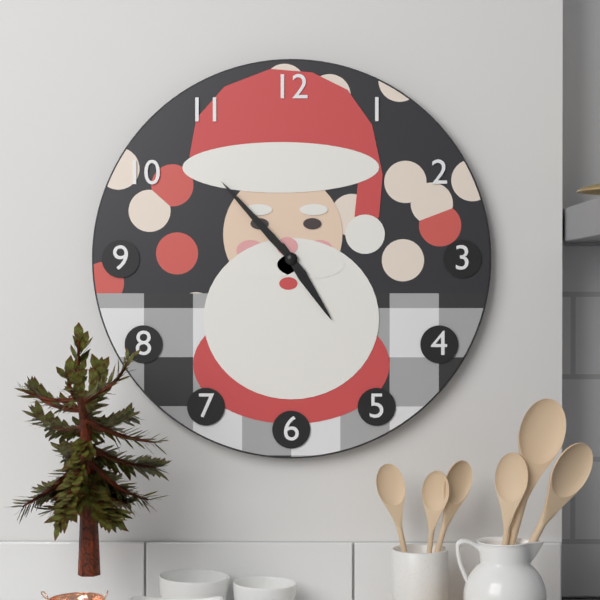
4:53
